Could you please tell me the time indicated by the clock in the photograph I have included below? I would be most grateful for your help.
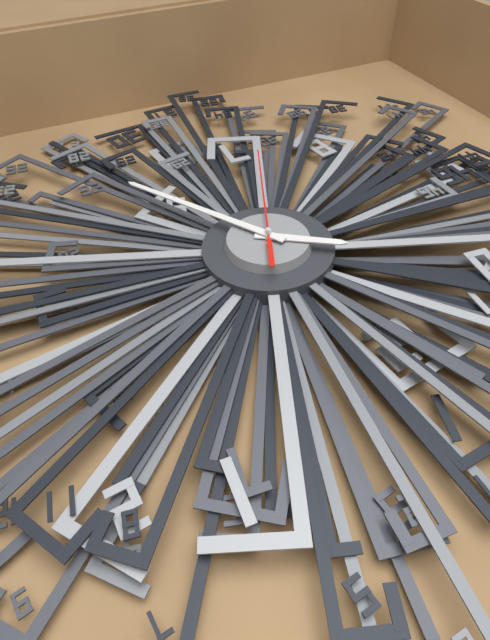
10:26:35
